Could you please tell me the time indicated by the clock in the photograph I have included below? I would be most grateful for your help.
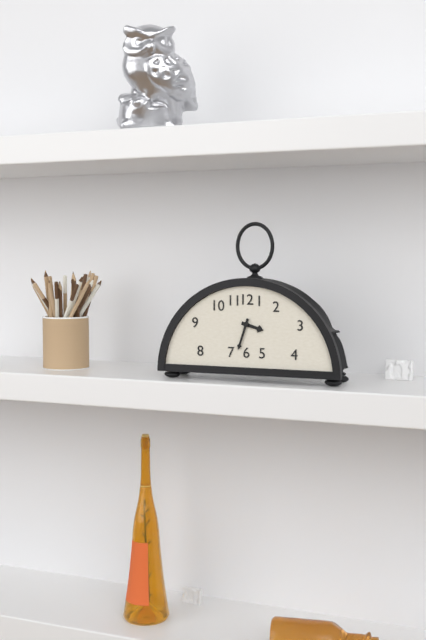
3:33
